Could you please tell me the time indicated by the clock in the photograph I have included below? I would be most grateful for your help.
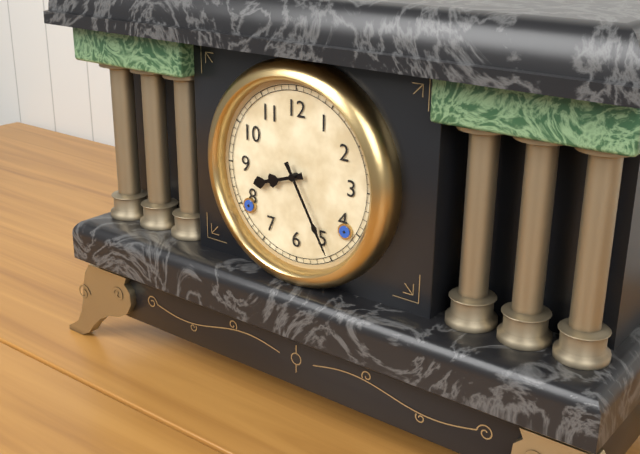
8:25
